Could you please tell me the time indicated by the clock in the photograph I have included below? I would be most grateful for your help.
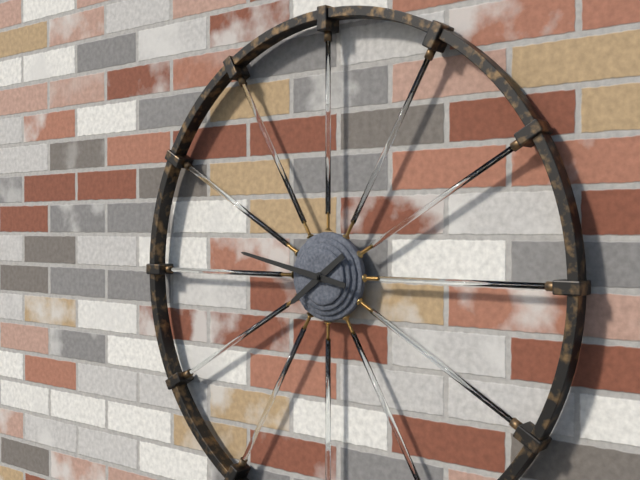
7:47
